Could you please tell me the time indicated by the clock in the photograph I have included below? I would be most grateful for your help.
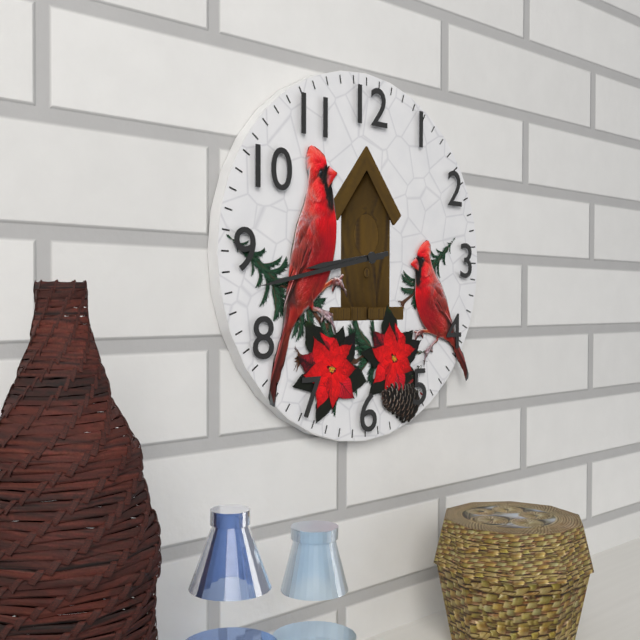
8:43
